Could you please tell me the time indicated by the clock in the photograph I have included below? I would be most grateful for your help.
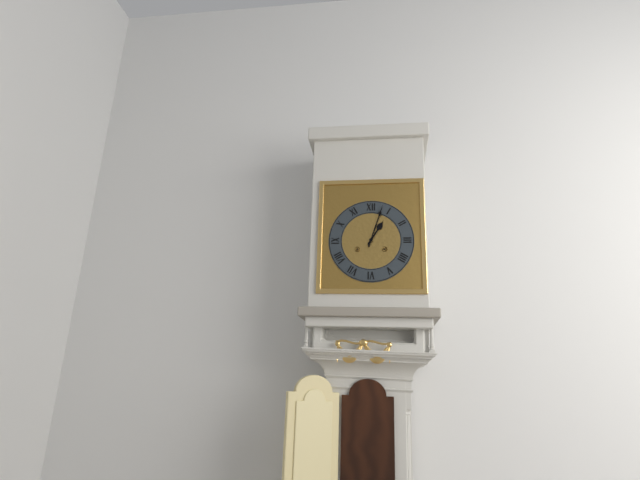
1:03
